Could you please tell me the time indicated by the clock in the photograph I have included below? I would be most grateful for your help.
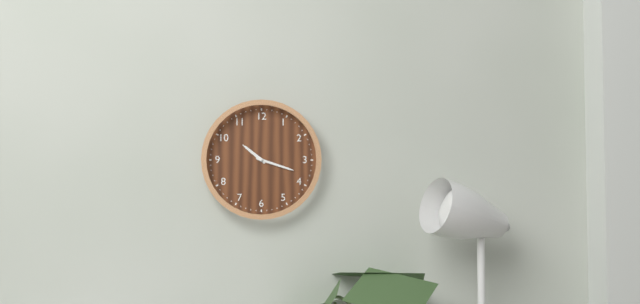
10:18
